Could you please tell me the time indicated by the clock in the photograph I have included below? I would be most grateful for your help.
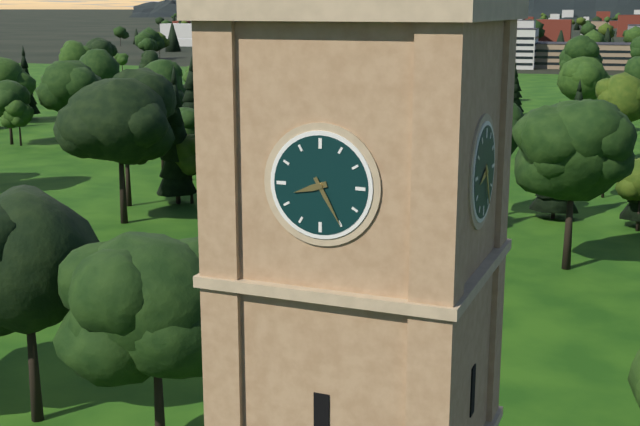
8:25
